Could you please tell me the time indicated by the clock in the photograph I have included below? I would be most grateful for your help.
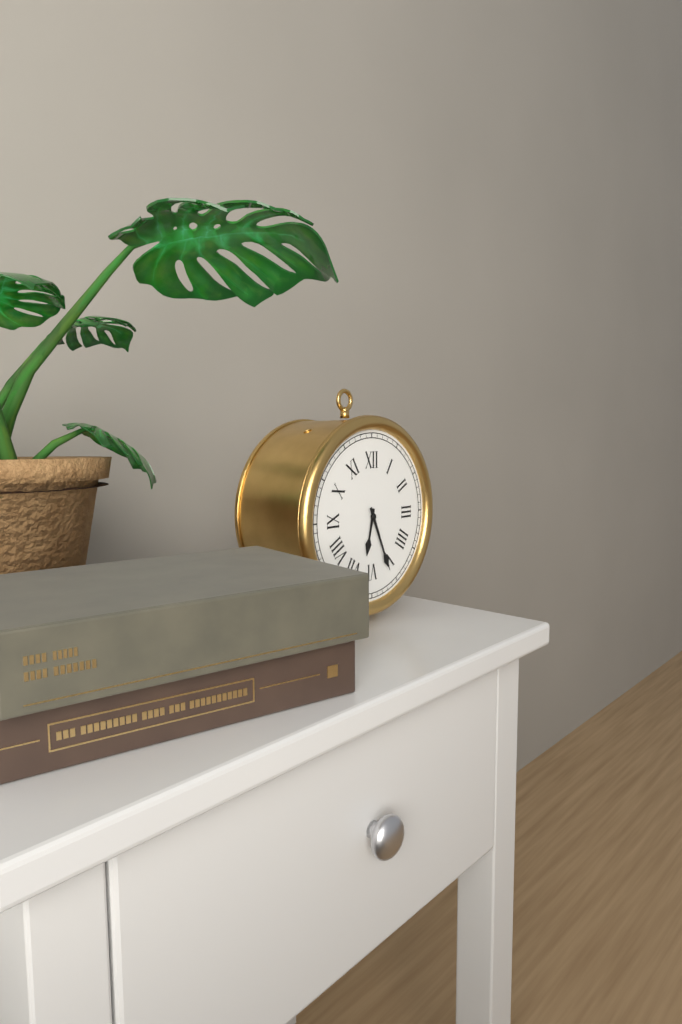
6:26
